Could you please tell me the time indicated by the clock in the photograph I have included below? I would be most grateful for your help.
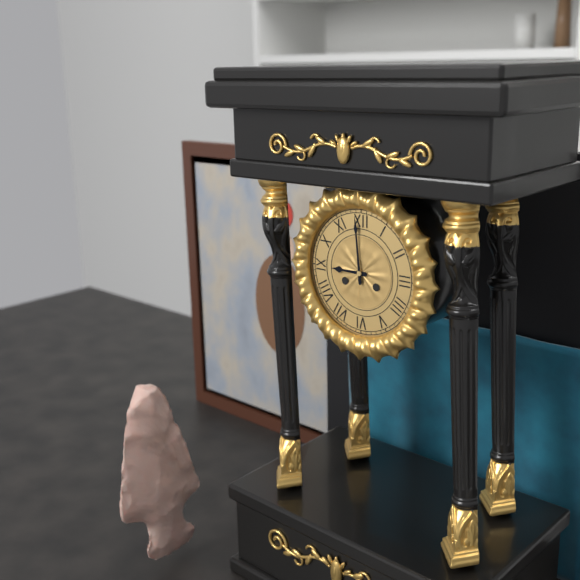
8:59
